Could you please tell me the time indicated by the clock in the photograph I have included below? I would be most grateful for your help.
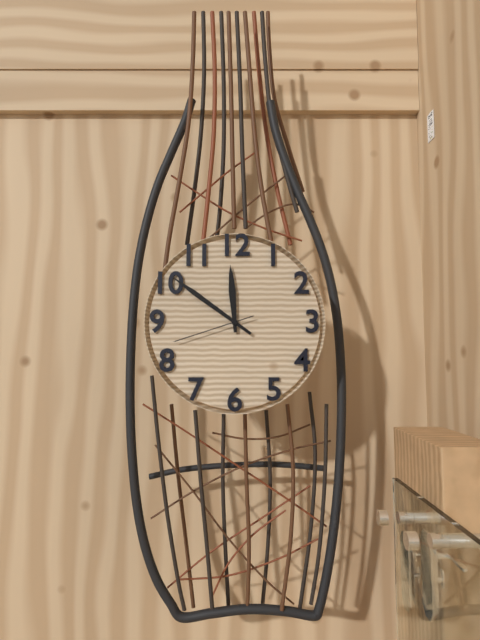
11:51:42
